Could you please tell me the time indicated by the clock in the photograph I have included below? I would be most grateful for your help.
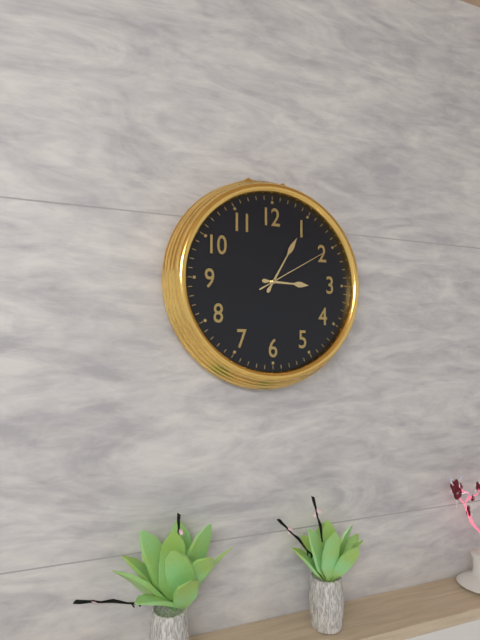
3:05:10
